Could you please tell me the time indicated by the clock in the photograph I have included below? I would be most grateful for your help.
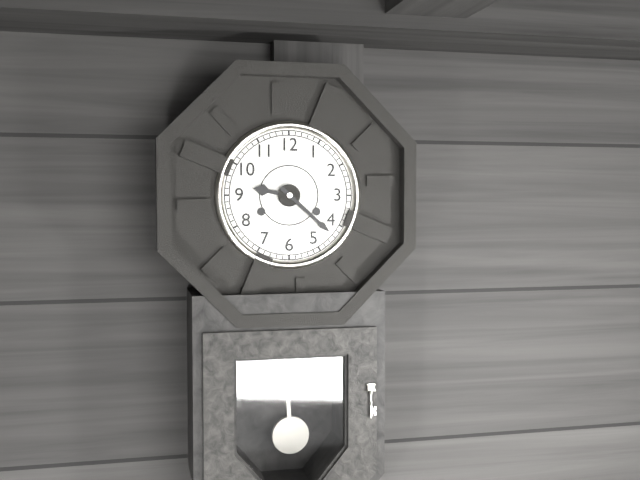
9:22
